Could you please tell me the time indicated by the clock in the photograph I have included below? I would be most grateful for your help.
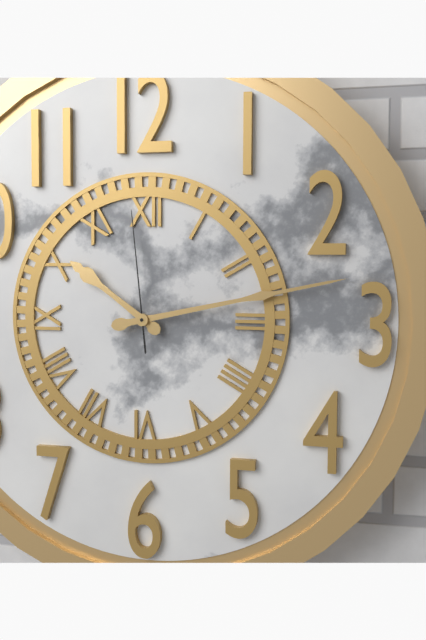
10:13:59
